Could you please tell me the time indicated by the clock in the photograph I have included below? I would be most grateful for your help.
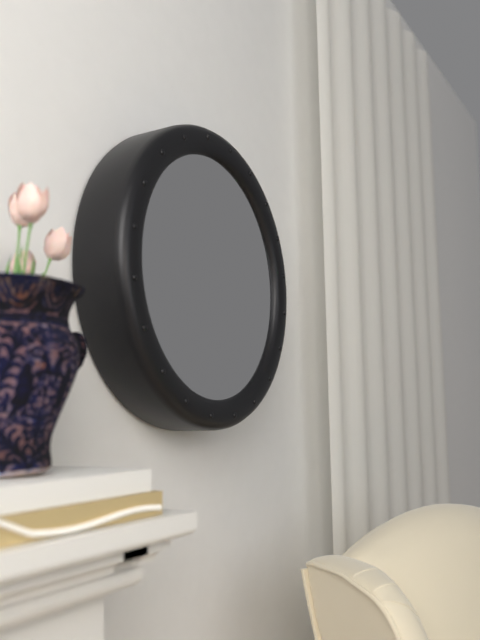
9:03
